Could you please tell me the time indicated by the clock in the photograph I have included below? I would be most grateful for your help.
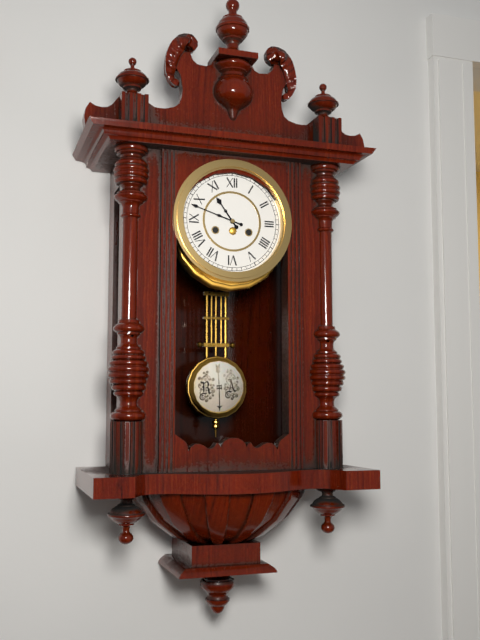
10:48
